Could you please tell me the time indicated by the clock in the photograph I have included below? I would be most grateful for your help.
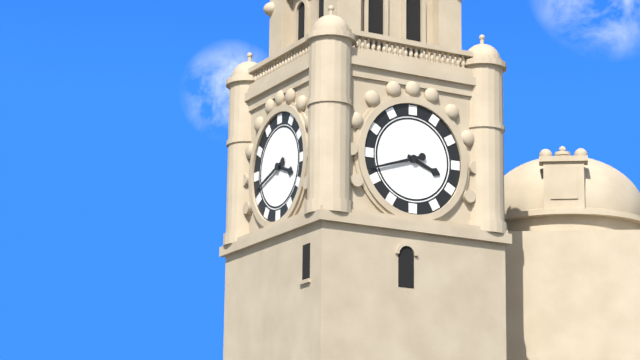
3:42
